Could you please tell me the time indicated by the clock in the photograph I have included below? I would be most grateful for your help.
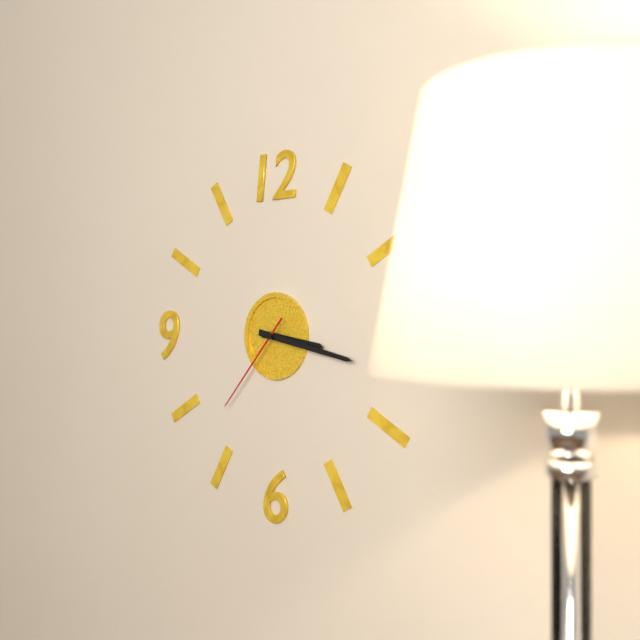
3:17:37
